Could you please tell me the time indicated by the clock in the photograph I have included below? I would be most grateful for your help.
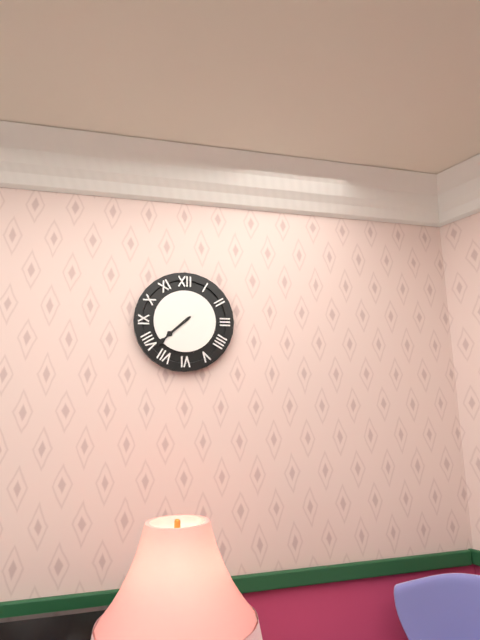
7:38
